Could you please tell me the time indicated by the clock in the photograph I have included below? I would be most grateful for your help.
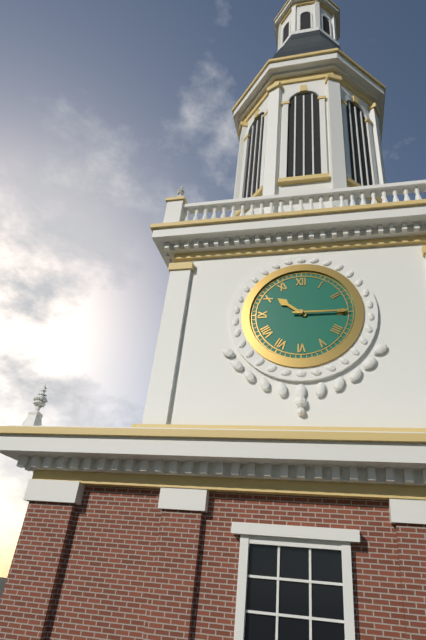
10:15
